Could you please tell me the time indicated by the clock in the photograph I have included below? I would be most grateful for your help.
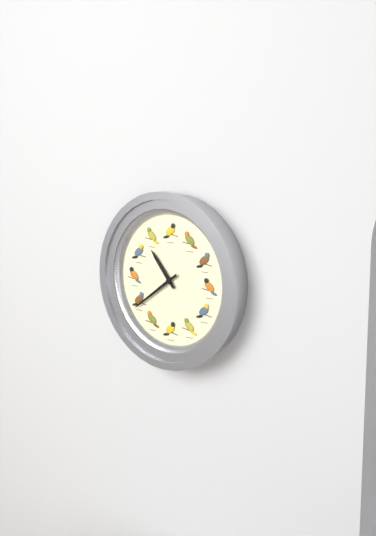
10:39
